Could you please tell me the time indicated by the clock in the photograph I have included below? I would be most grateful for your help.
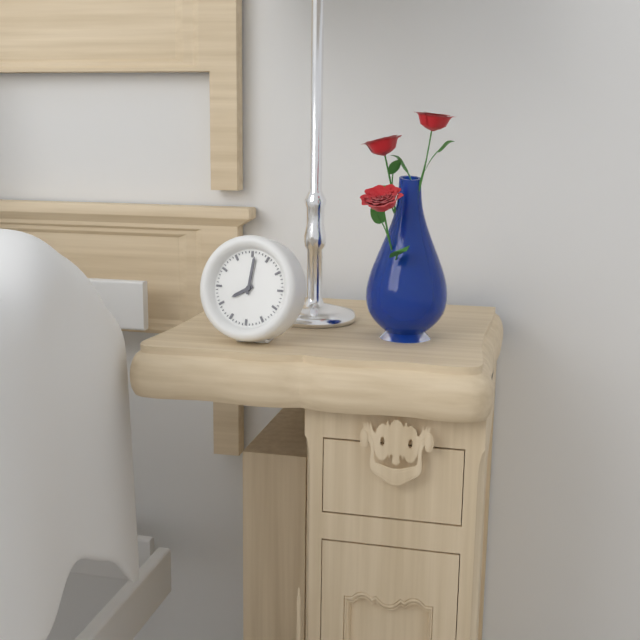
8:01
